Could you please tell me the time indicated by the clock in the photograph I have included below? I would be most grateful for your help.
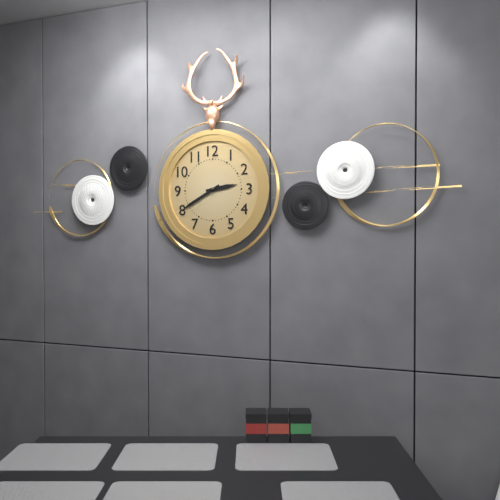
2:40
